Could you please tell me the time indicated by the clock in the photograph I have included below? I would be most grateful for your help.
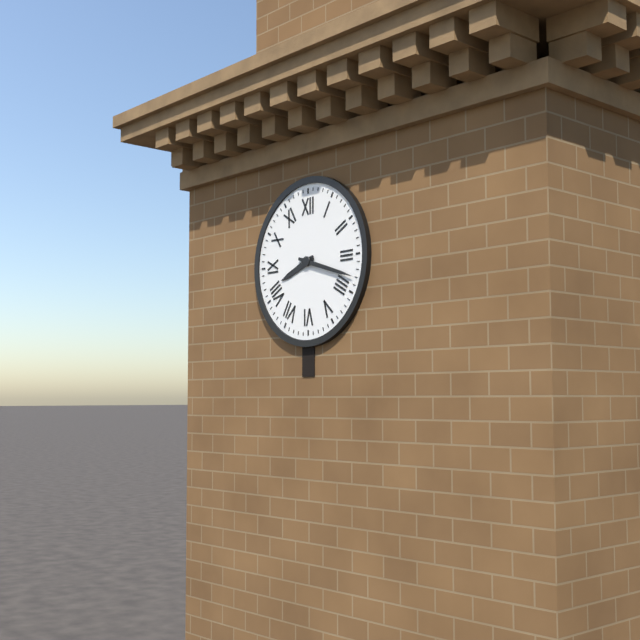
8:18
